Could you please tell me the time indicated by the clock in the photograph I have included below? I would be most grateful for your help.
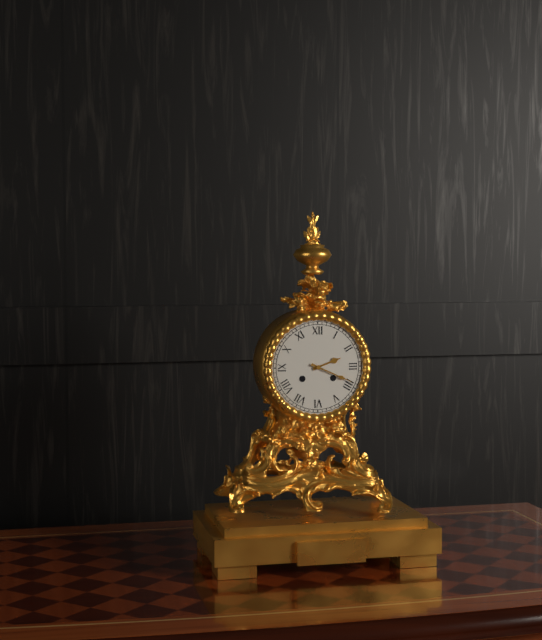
2:19
